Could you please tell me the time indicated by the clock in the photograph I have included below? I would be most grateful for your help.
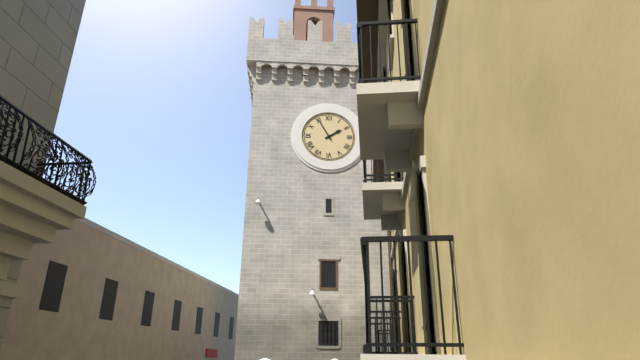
1:55
